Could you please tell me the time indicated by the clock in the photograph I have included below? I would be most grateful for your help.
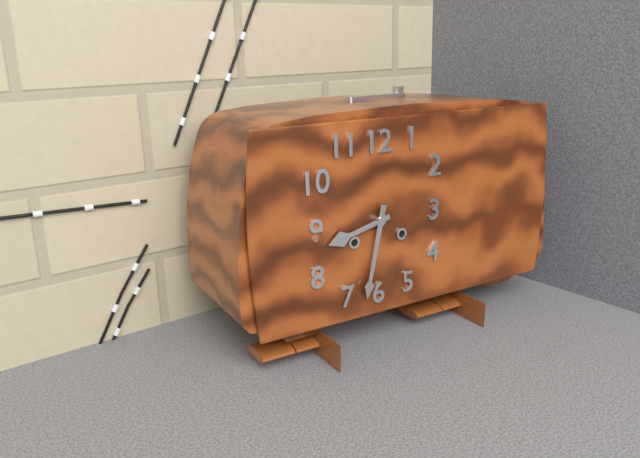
8:32
